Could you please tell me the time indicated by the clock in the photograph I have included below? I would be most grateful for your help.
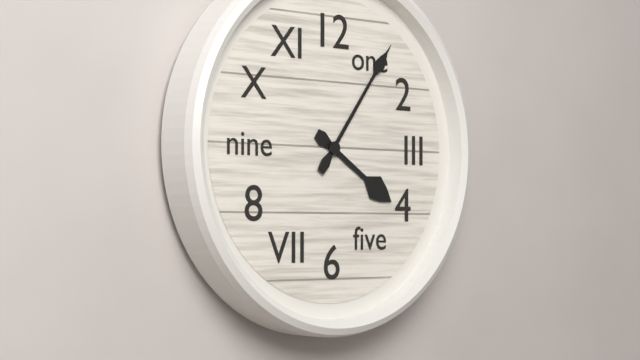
4:06
